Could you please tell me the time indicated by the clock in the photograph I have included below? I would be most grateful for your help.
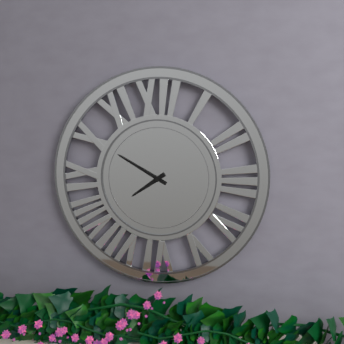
7:50
